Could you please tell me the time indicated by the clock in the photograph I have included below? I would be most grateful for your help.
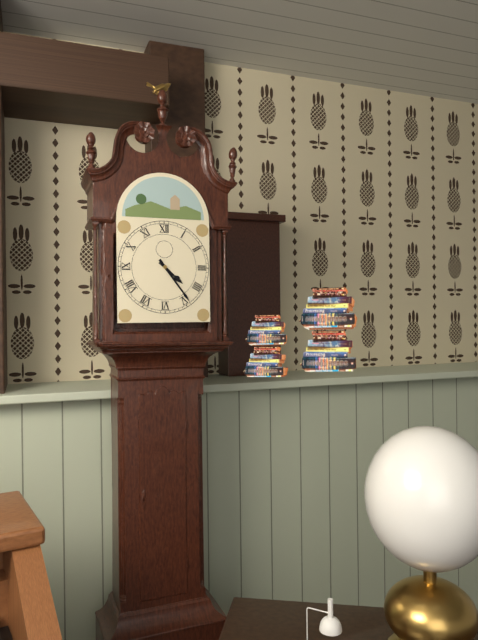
4:24
